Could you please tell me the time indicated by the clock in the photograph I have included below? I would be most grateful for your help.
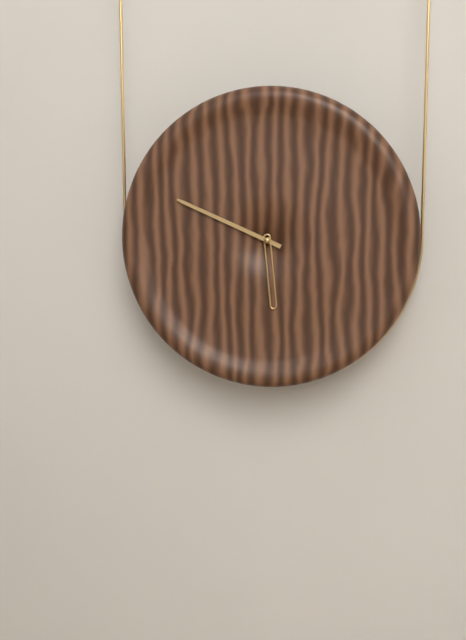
5:49
